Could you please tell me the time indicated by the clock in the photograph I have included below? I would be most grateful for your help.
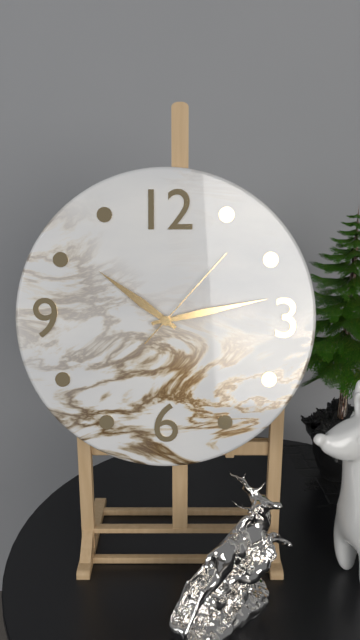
10:13:07
